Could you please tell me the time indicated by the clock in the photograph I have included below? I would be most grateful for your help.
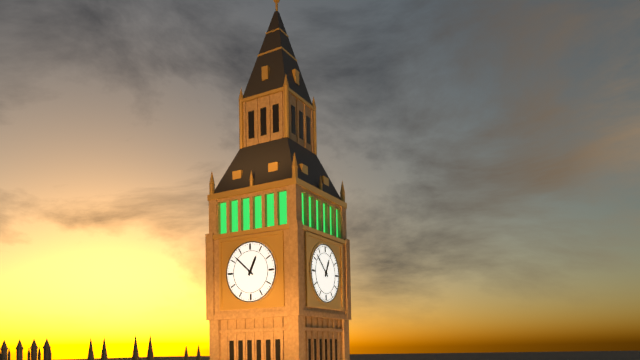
12:52
